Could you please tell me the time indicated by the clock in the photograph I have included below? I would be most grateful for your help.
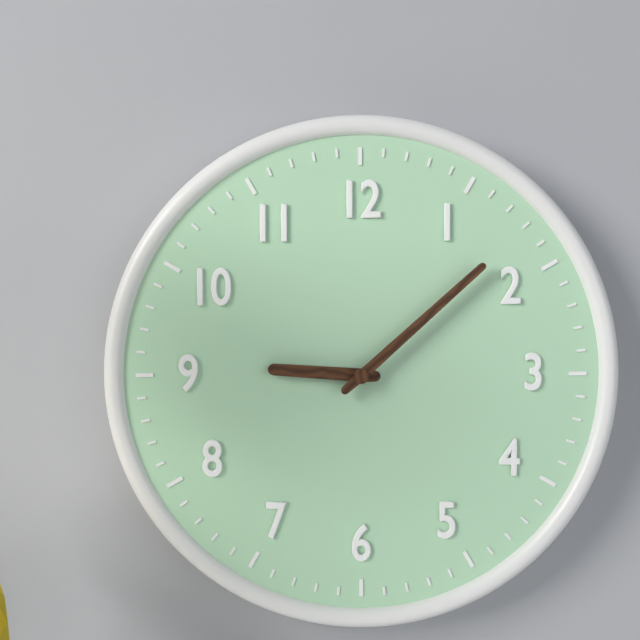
9:08
